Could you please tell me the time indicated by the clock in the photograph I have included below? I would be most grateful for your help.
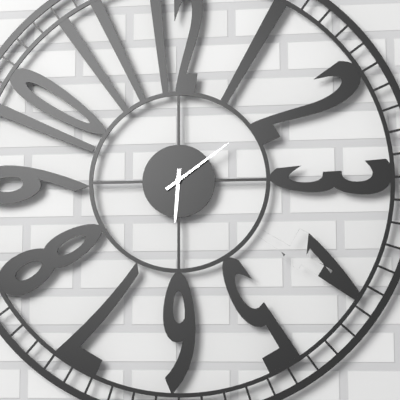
6:09
